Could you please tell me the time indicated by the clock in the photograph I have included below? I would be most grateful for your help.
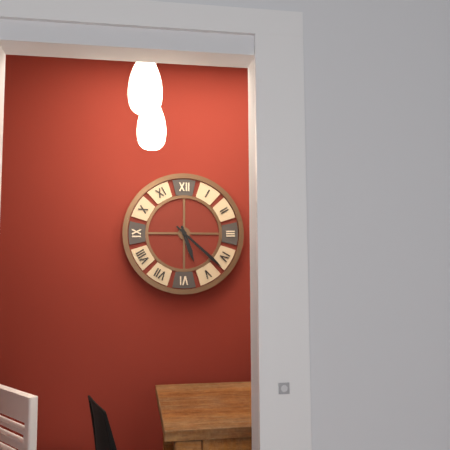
5:22
